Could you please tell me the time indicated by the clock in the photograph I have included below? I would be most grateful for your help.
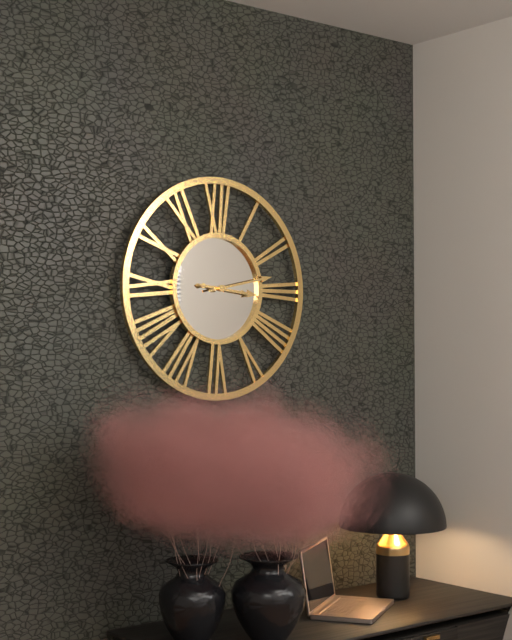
3:13
